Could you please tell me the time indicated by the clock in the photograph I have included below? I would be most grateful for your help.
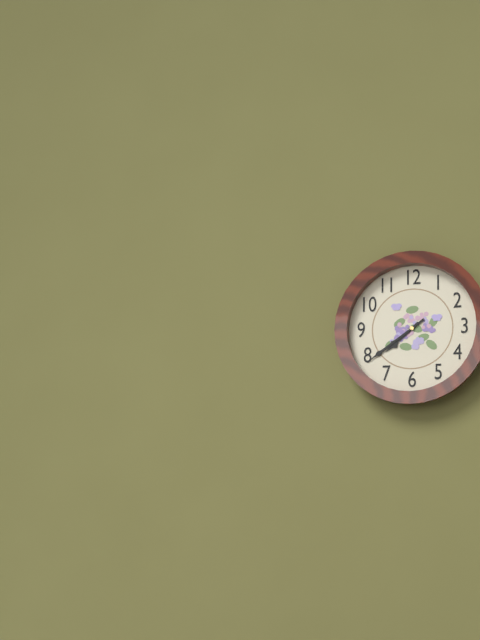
7:39
